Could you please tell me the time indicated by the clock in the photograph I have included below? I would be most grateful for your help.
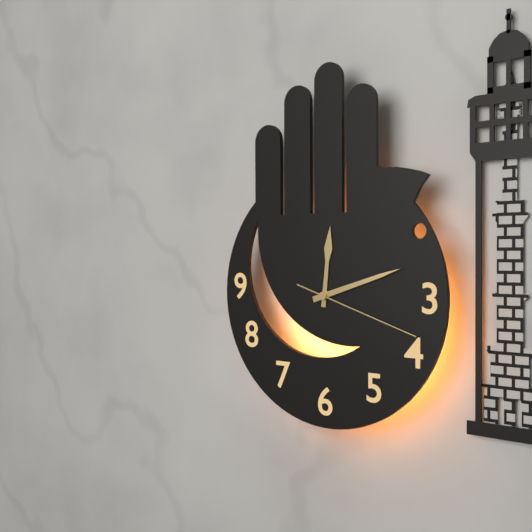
12:12:18
